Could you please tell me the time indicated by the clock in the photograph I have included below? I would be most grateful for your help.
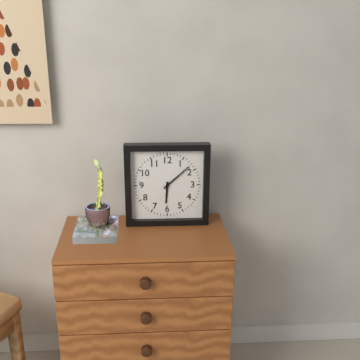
6:08
